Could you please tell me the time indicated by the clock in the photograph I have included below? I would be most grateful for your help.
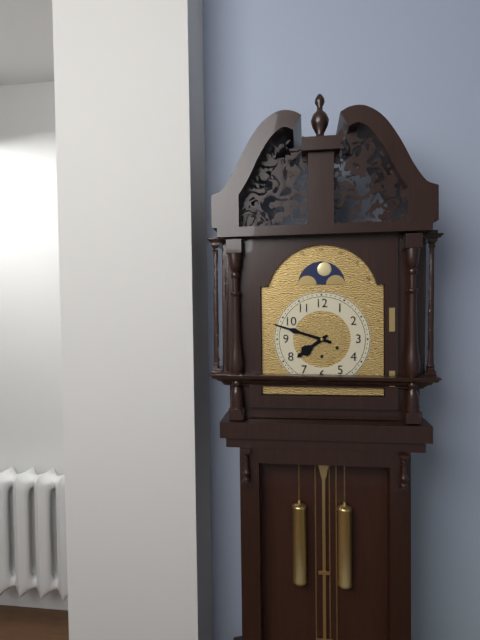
7:48
